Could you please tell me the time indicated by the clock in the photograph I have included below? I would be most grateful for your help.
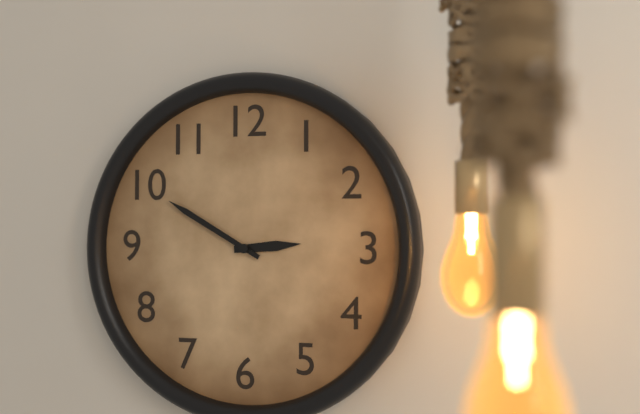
2:50
